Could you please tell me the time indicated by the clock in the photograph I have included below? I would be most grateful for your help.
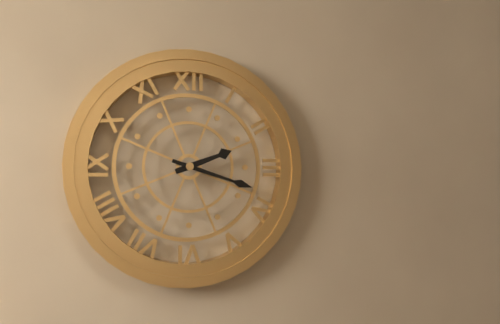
2:18
